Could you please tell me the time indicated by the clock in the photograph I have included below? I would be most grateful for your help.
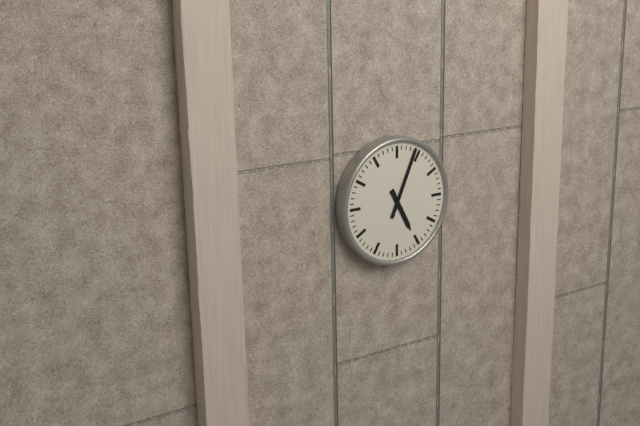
5:04
